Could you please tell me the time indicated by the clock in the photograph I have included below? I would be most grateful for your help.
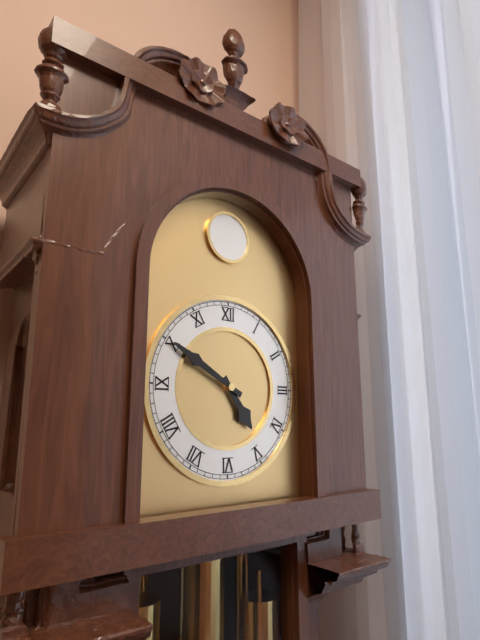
4:50
